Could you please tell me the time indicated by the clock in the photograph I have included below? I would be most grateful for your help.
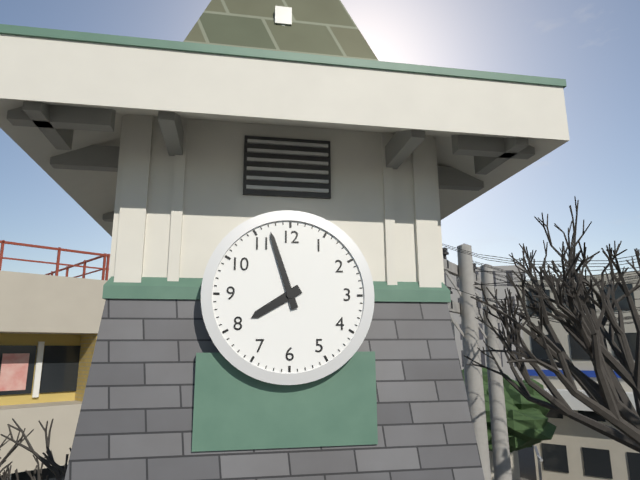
7:57
